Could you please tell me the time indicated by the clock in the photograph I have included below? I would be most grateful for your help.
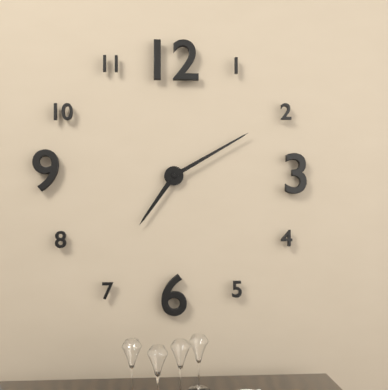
7:10
